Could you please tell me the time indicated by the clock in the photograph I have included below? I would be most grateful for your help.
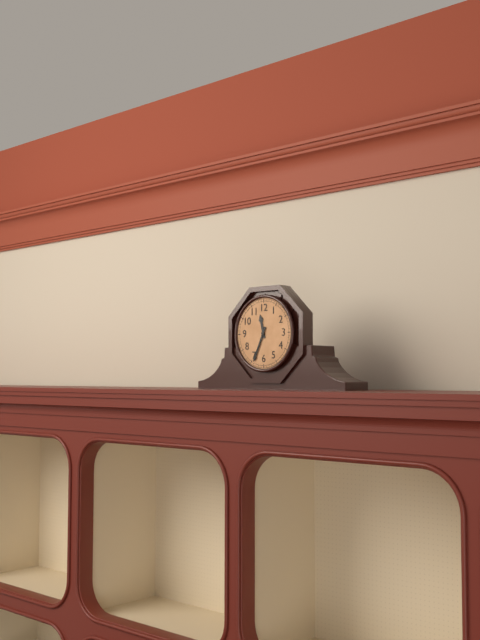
11:34
